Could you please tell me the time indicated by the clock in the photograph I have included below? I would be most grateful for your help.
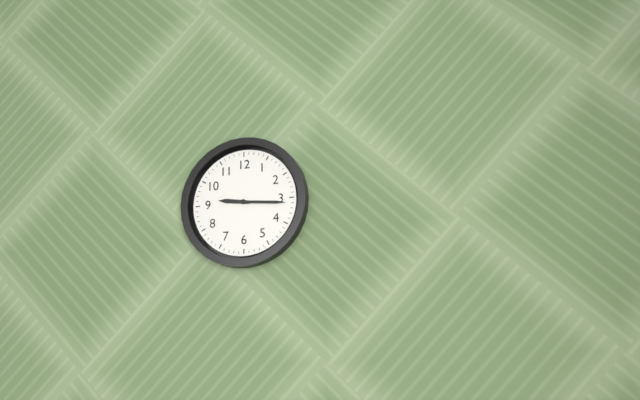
9:16
